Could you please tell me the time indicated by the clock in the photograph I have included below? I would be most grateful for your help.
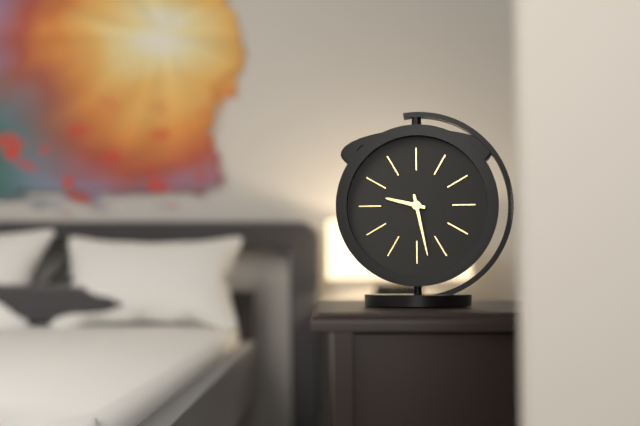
9:28
